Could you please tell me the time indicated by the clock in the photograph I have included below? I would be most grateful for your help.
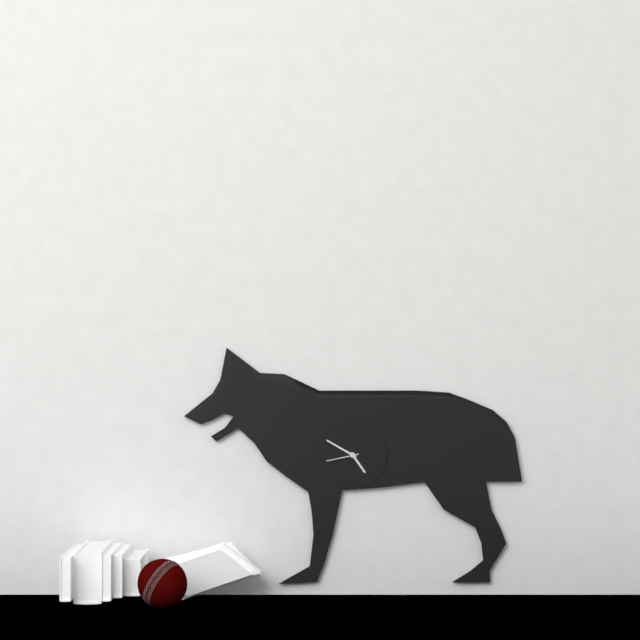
4:50
